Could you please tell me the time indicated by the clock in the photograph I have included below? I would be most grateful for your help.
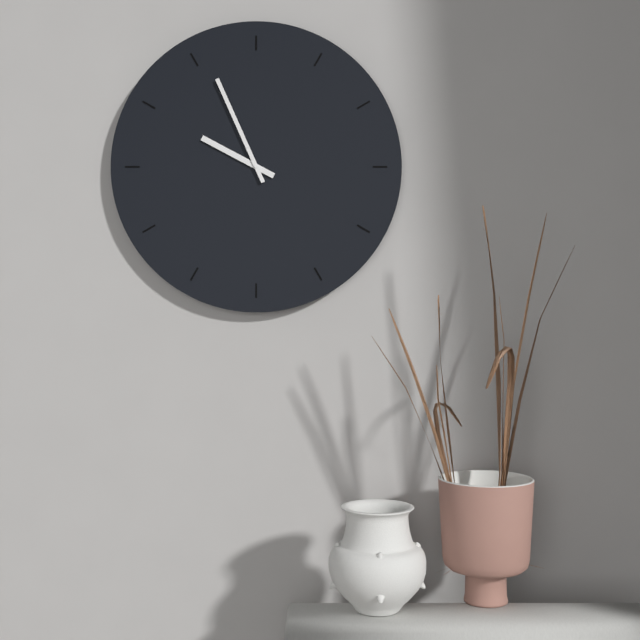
9:56
